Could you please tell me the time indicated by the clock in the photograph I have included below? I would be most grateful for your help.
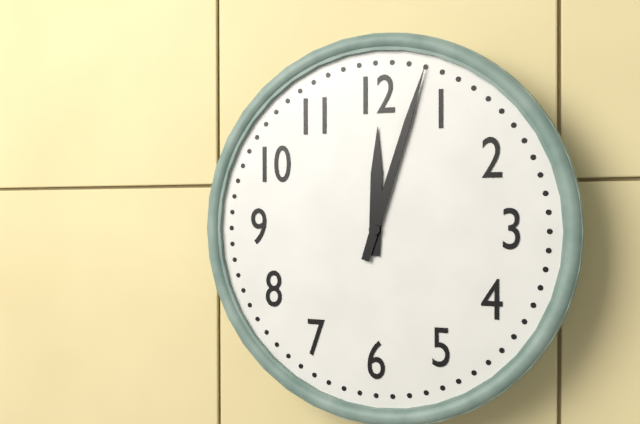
12:03
